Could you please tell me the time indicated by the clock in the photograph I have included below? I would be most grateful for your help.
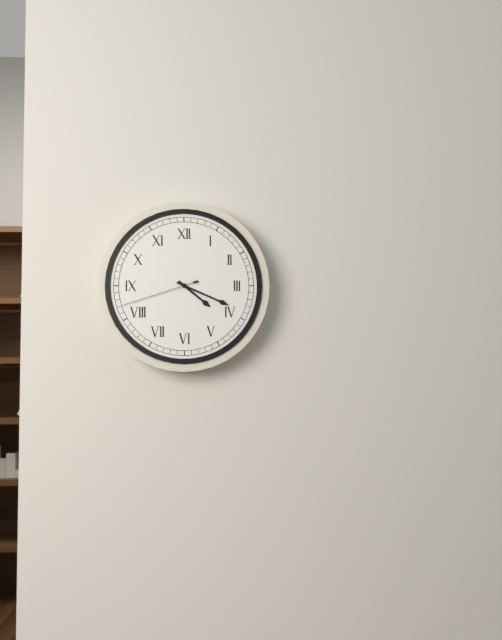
4:19:42
